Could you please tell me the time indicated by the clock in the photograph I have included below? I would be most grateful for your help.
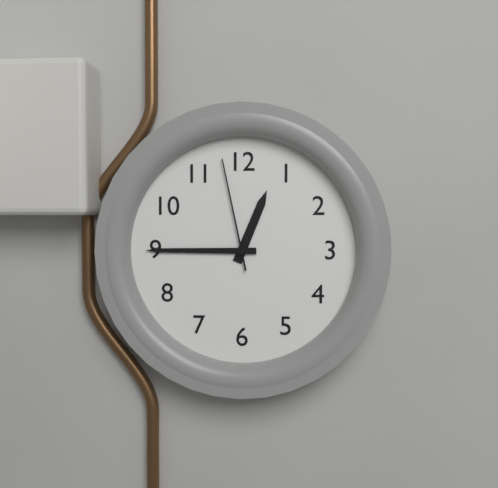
12:45:58
